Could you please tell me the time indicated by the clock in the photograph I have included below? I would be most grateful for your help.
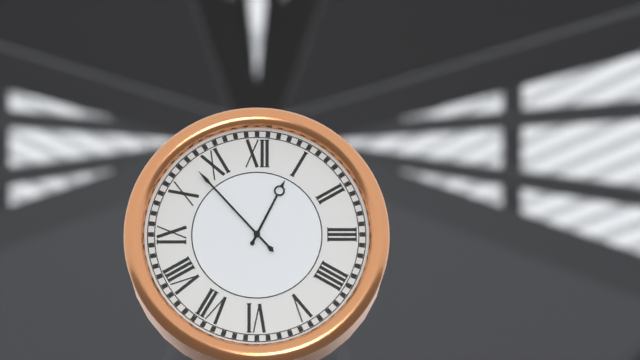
12:53
